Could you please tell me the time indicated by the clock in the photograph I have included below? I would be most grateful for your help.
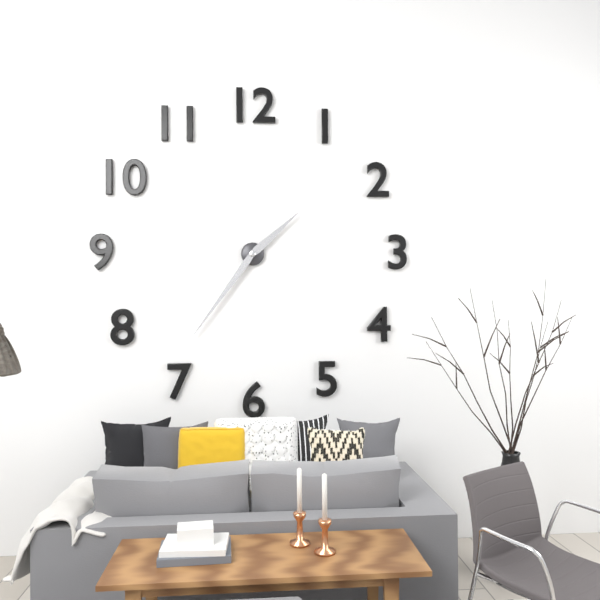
1:36
